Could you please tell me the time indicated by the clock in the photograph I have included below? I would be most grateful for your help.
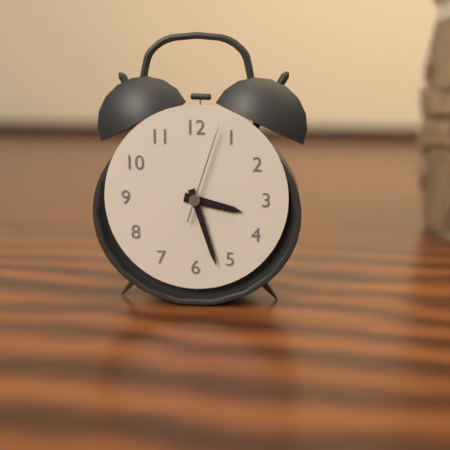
3:27:03
